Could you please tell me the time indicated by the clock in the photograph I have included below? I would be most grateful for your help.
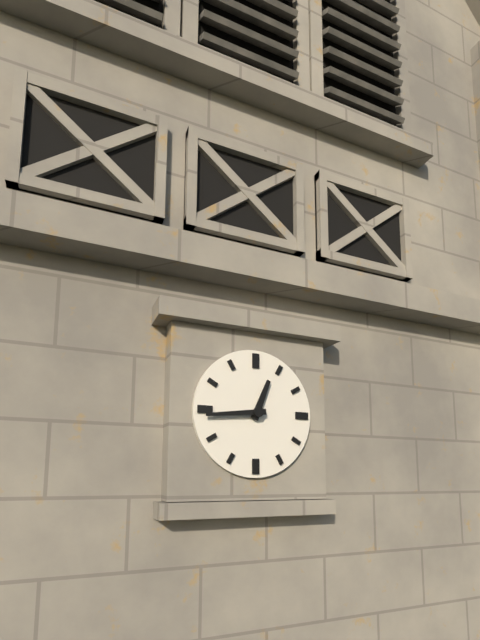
12:44
